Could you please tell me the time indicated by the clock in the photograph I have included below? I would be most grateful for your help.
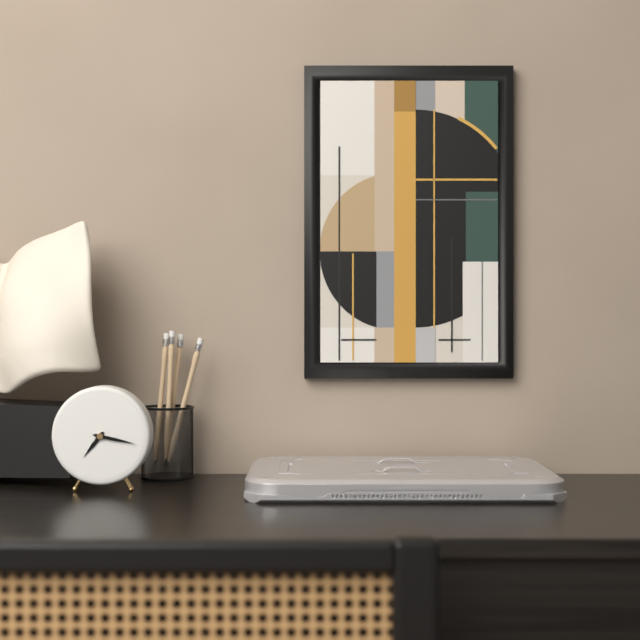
7:17
